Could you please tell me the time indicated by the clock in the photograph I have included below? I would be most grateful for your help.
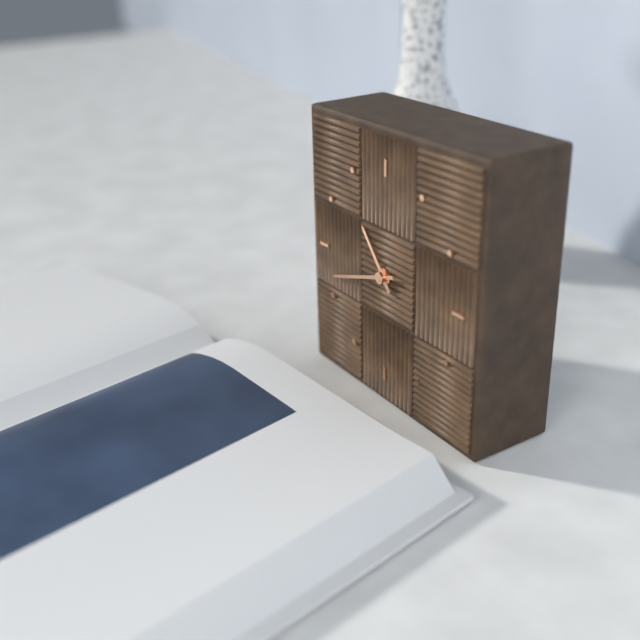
10:42
